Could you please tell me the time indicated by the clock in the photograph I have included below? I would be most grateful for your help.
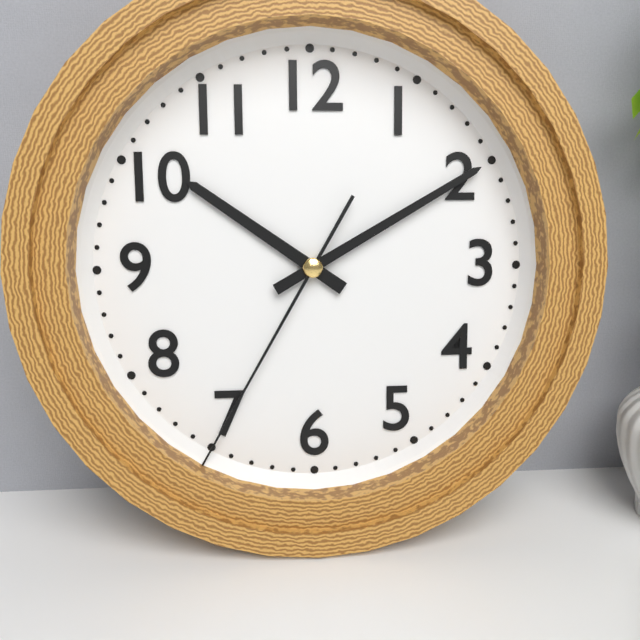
10:10:35
